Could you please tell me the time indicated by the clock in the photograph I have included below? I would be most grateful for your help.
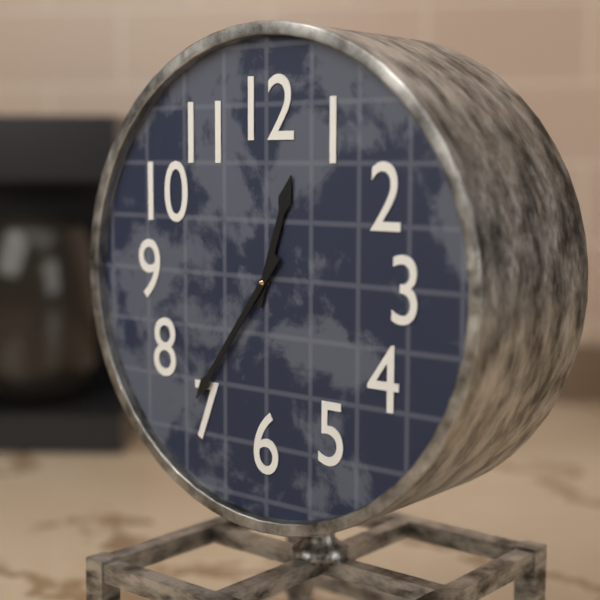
12:36
